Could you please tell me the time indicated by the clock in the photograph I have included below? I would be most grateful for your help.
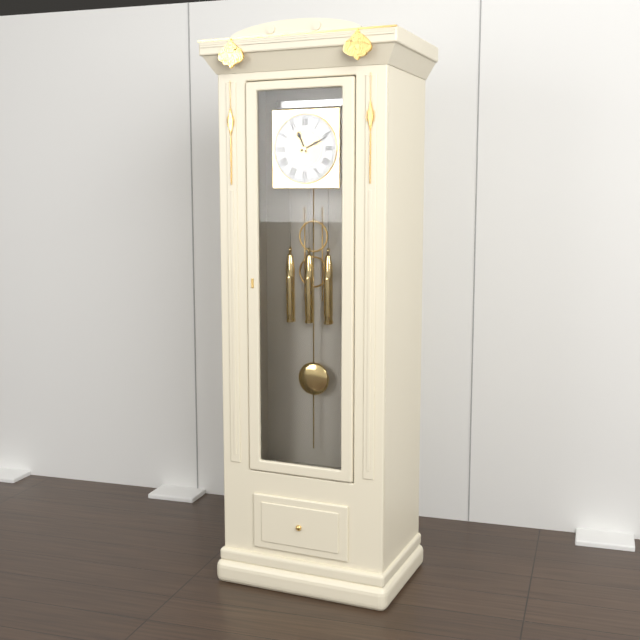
11:11
